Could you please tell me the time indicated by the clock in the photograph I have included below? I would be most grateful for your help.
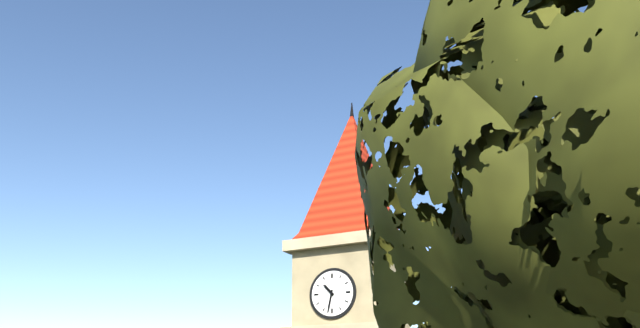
10:32
